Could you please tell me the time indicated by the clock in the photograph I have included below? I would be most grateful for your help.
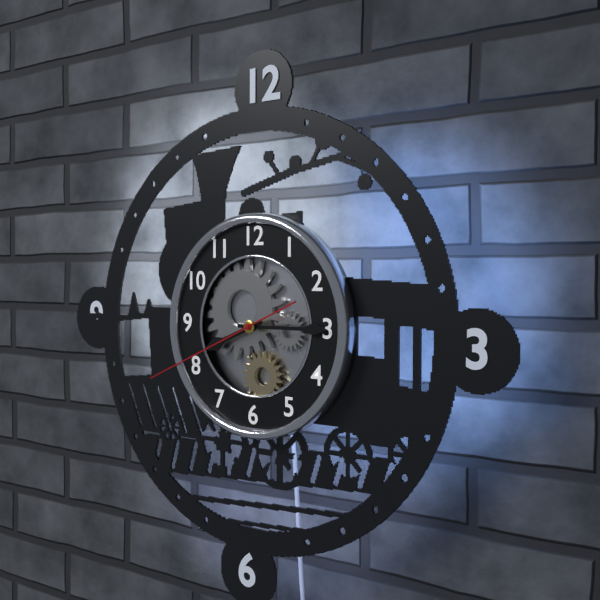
8:15:41
